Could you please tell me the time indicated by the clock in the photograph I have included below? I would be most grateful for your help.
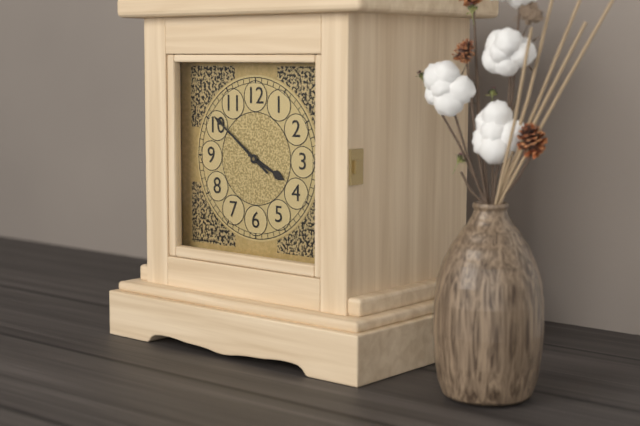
3:51
